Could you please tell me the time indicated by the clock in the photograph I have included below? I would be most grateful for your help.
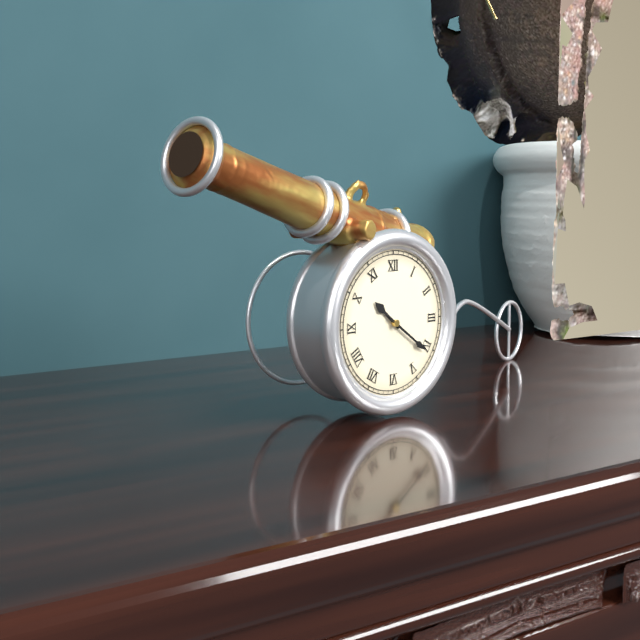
10:21
